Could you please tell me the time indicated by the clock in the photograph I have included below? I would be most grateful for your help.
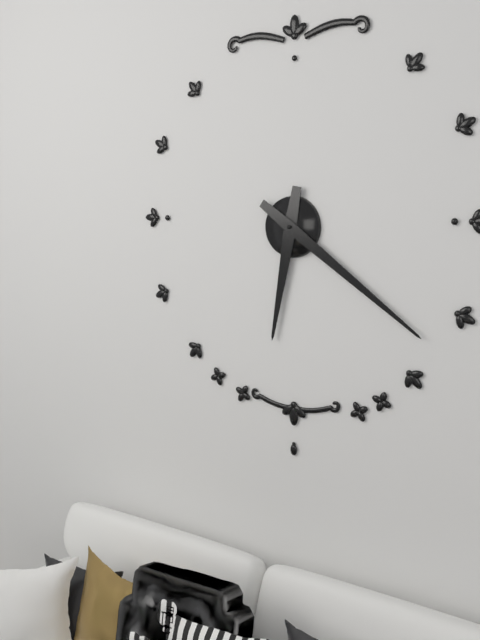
6:21
